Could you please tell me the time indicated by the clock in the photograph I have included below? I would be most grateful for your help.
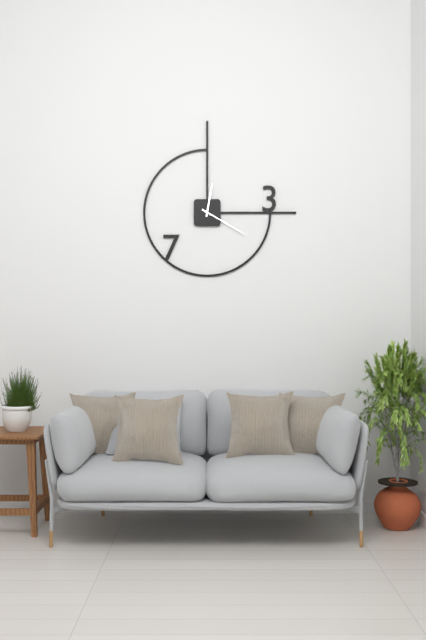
12:20
